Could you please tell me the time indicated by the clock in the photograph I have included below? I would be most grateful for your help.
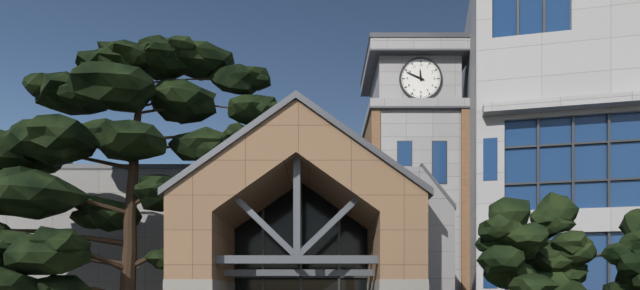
11:49
